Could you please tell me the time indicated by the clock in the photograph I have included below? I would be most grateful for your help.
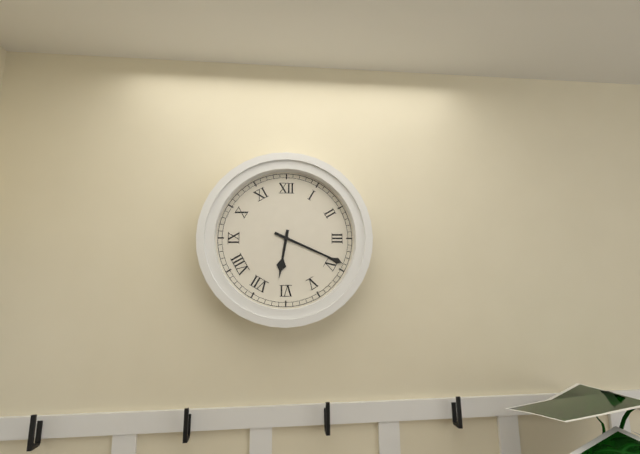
6:19
